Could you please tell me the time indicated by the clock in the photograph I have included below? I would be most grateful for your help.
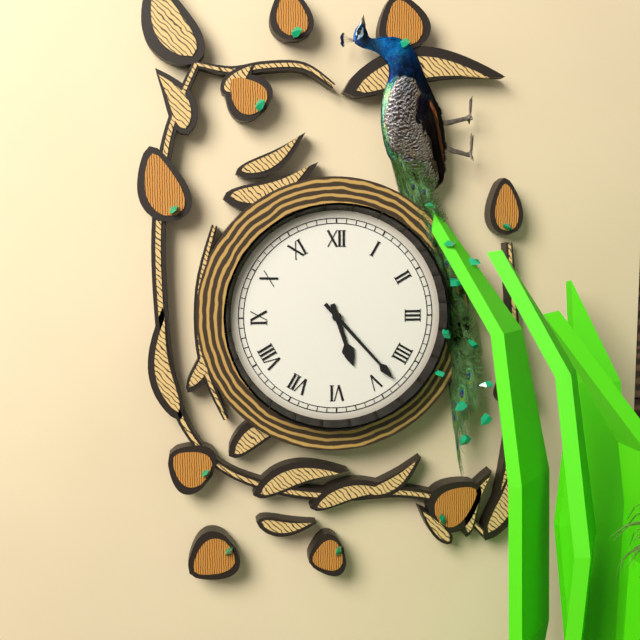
5:23
